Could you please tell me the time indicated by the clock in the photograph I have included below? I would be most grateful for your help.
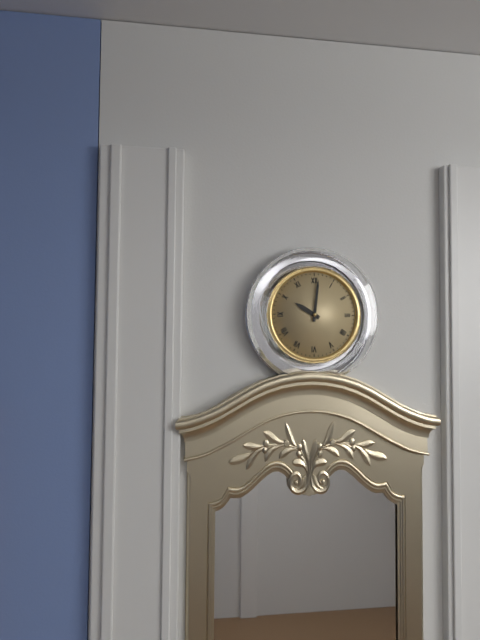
10:01
